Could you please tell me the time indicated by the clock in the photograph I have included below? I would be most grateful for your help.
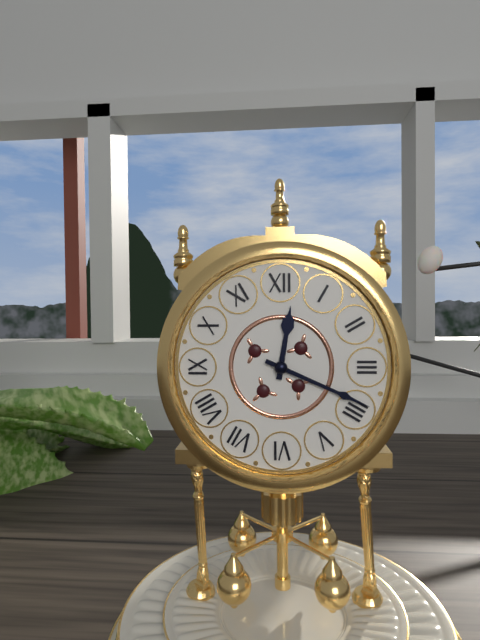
12:19
